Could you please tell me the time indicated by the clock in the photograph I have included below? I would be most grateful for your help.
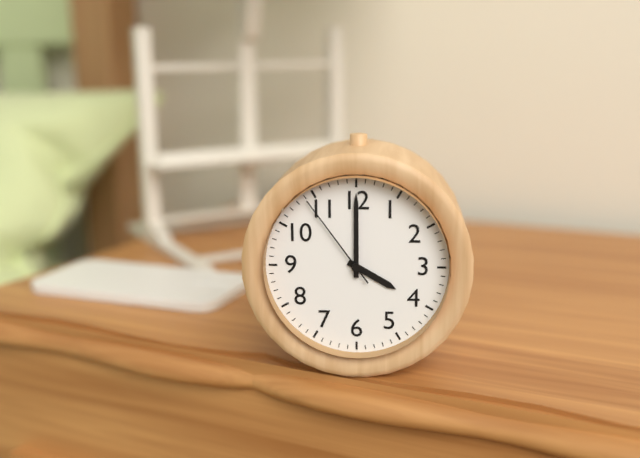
4:00:54
